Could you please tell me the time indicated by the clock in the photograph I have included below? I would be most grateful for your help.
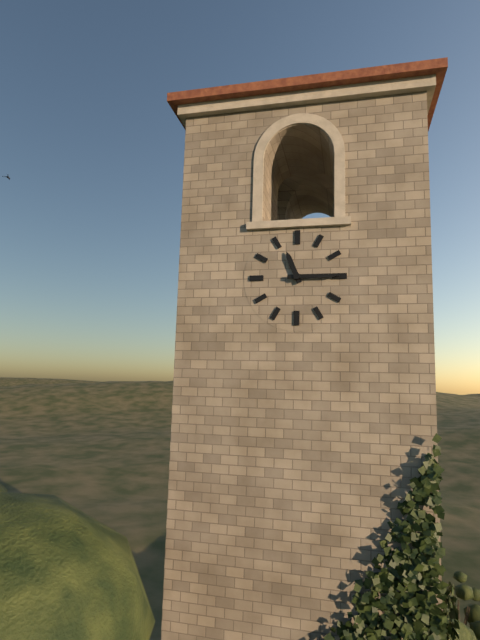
11:15
